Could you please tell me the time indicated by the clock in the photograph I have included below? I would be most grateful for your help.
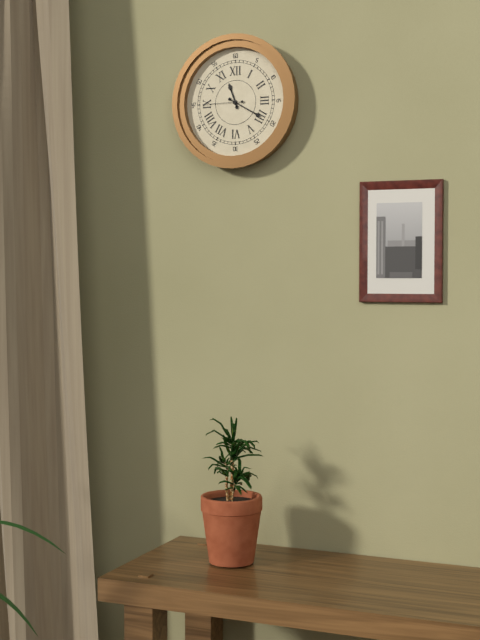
11:20
